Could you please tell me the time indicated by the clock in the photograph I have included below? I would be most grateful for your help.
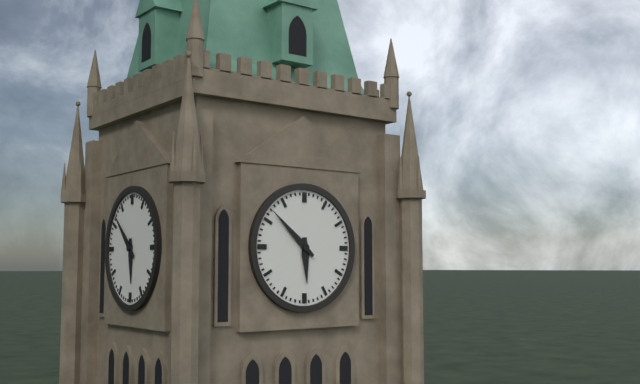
5:52
